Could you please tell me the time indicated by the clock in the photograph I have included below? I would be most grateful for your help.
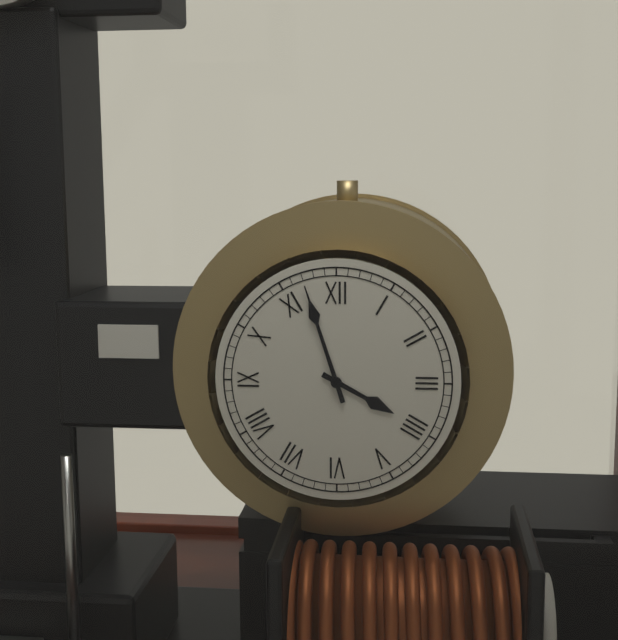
3:57
